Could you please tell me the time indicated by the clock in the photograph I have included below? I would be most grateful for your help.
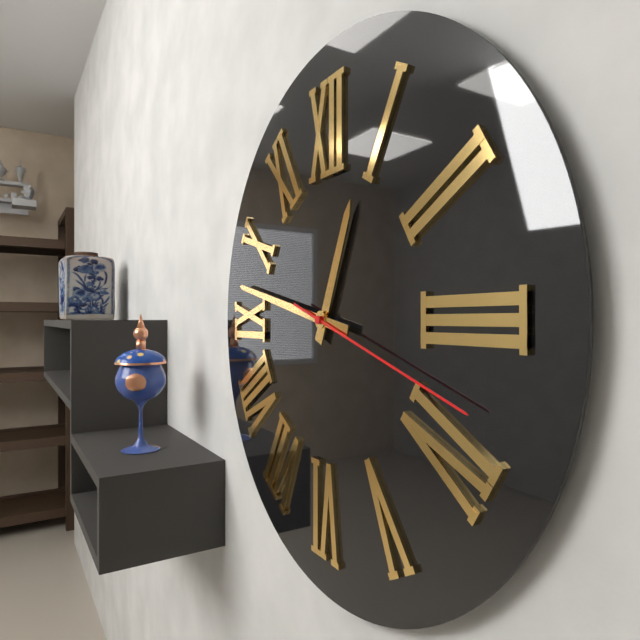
12:47:18
